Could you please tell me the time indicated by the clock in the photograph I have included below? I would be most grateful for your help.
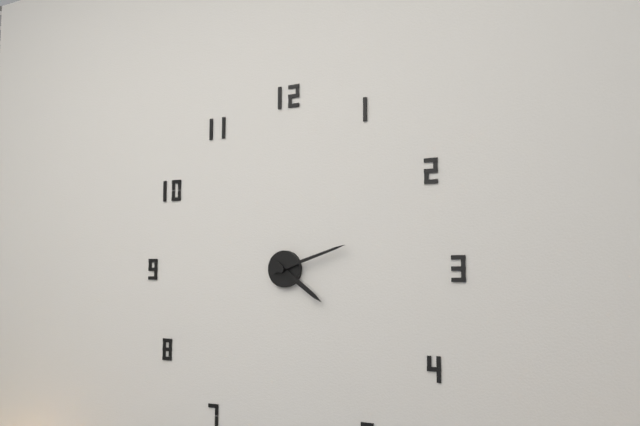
4:12
